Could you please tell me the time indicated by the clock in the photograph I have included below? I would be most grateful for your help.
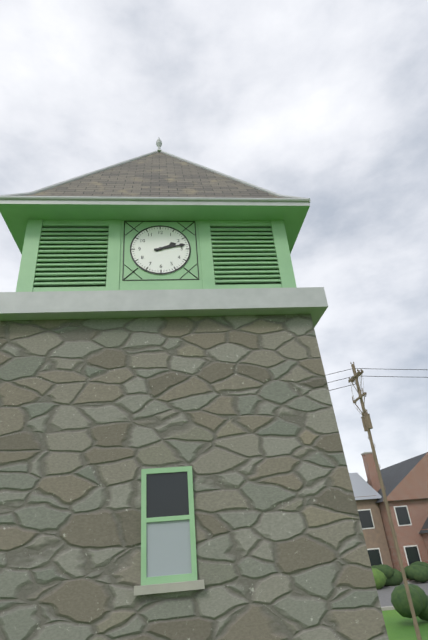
2:13
